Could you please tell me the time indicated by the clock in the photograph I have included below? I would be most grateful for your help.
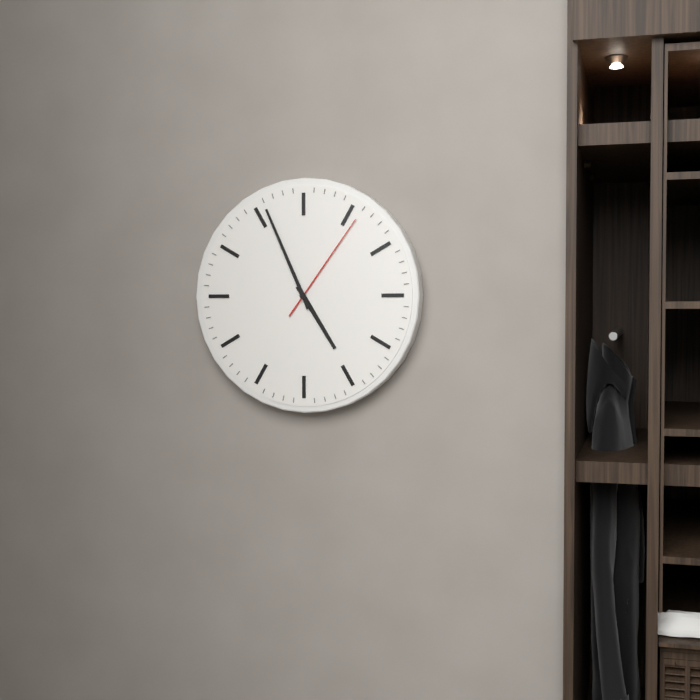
4:56:06
